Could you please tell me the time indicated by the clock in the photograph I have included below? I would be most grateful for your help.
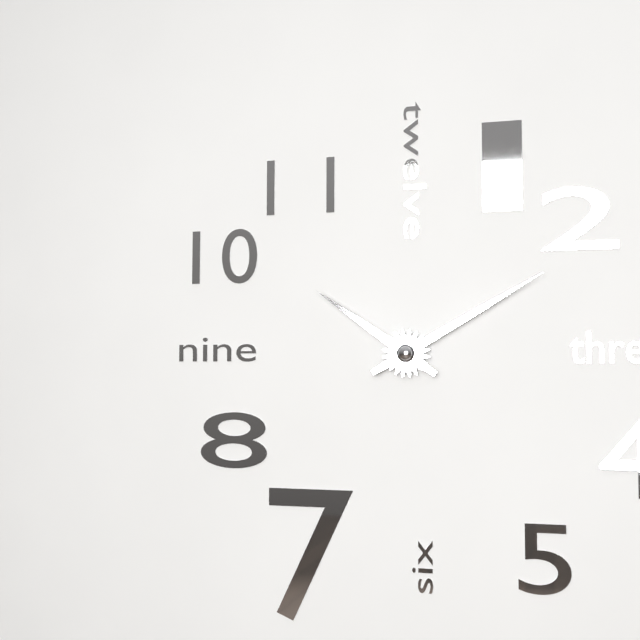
10:10
